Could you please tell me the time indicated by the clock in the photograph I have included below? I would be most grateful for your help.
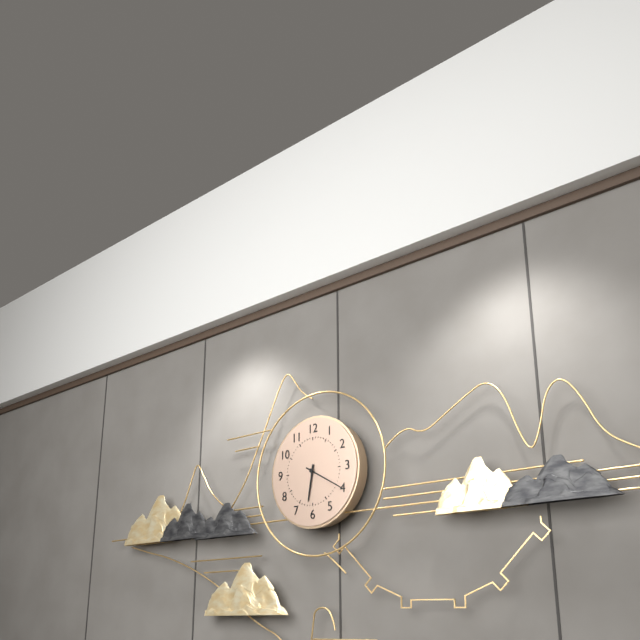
6:20
